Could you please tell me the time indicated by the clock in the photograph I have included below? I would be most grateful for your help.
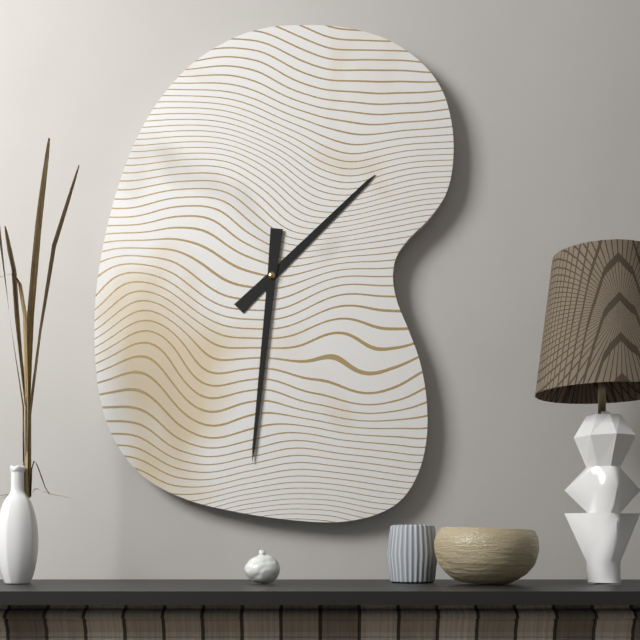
1:31
